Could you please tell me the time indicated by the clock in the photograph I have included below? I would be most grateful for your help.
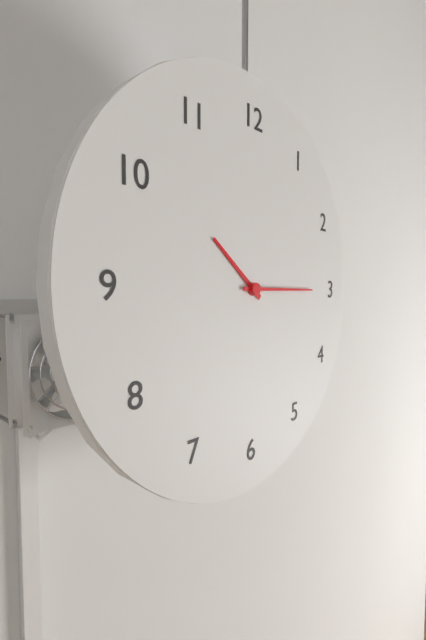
10:15
